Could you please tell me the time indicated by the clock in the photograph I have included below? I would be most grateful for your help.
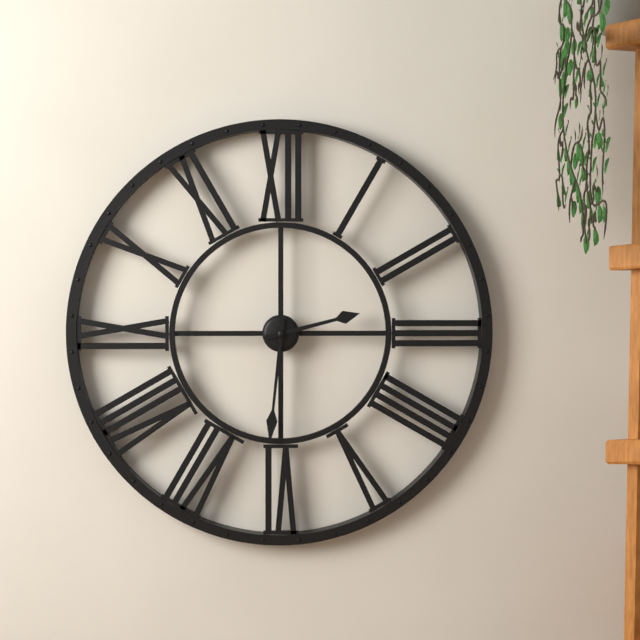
2:31
